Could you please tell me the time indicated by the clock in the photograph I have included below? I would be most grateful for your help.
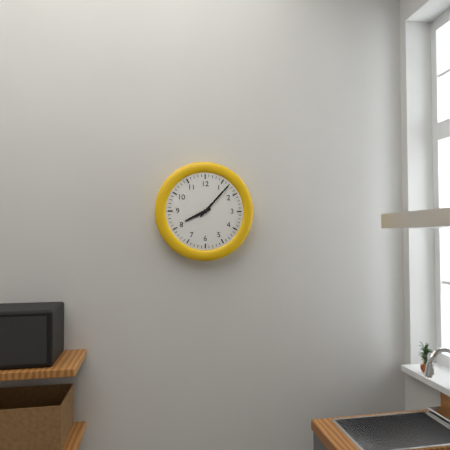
8:07
